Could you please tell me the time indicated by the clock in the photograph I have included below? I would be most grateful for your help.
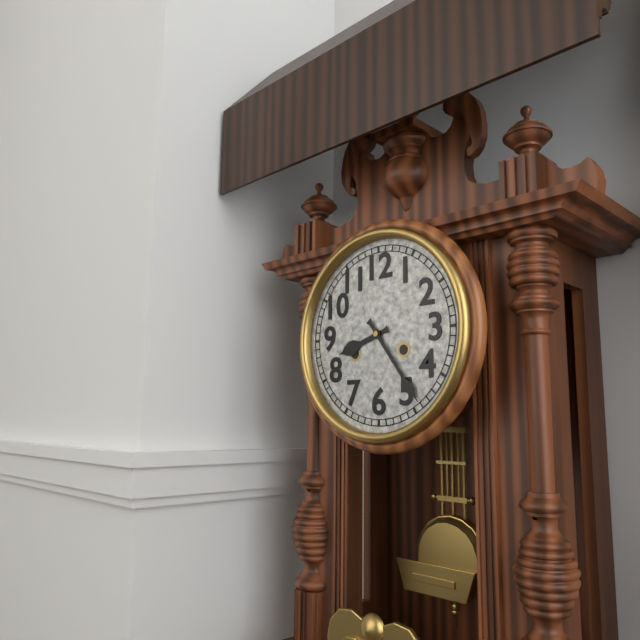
8:24
